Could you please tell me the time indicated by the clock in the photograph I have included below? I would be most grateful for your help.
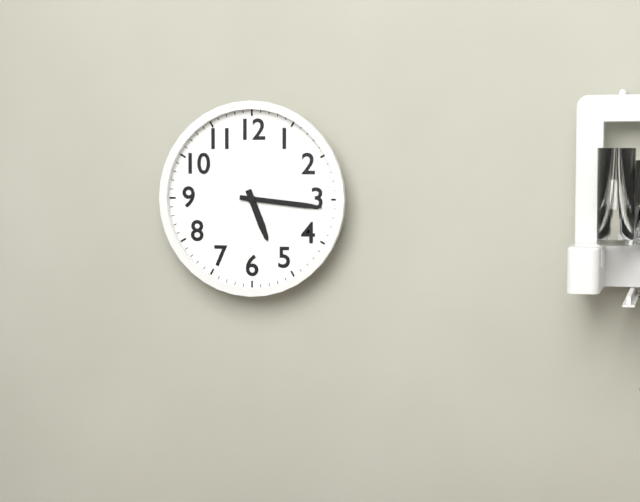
5:16
